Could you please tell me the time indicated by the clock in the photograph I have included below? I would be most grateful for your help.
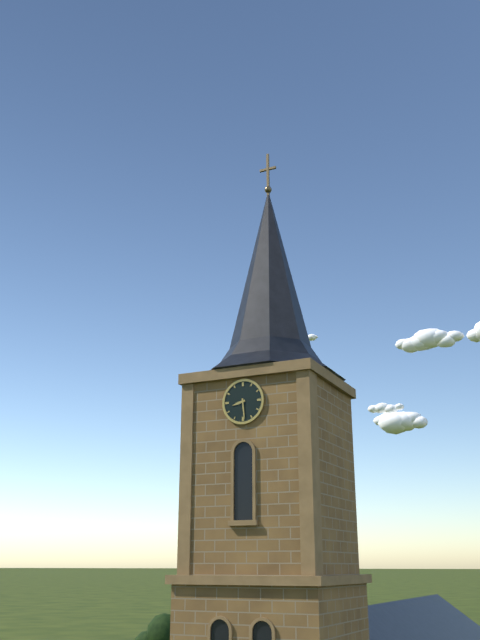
8:29
